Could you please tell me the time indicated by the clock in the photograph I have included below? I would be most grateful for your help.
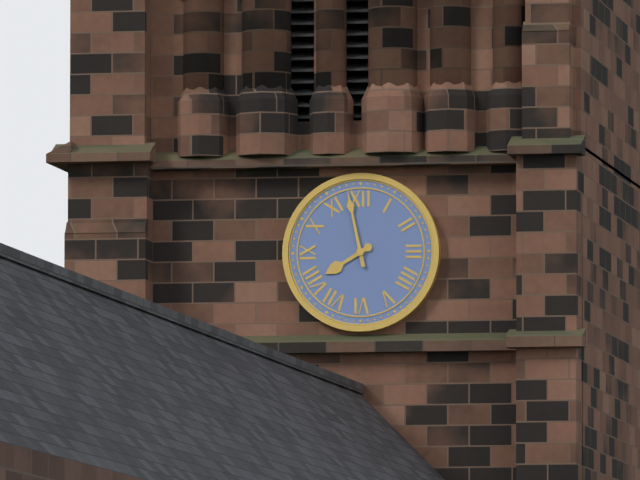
7:58
